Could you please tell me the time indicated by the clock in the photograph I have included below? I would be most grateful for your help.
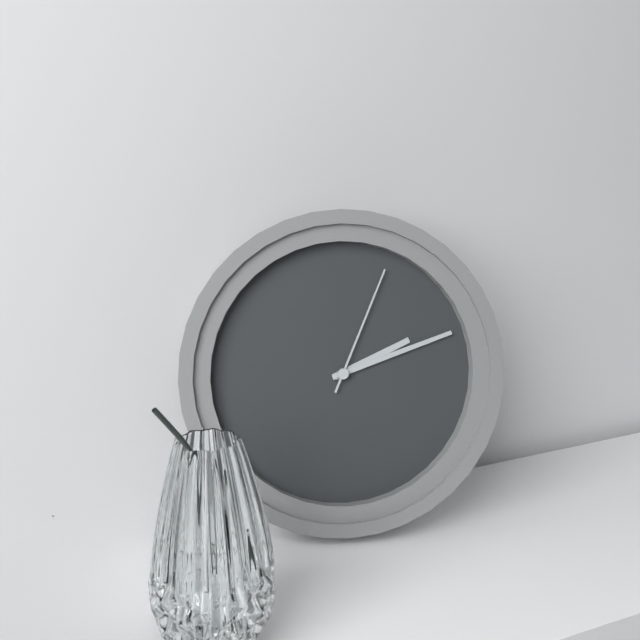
2:12:04
